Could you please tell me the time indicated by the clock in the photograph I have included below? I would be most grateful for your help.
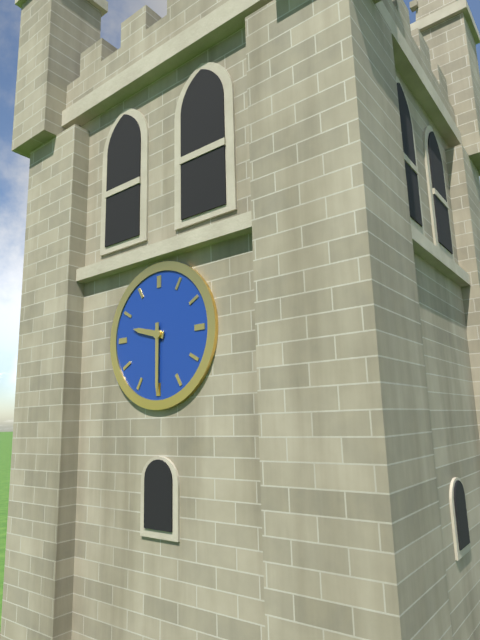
9:30
